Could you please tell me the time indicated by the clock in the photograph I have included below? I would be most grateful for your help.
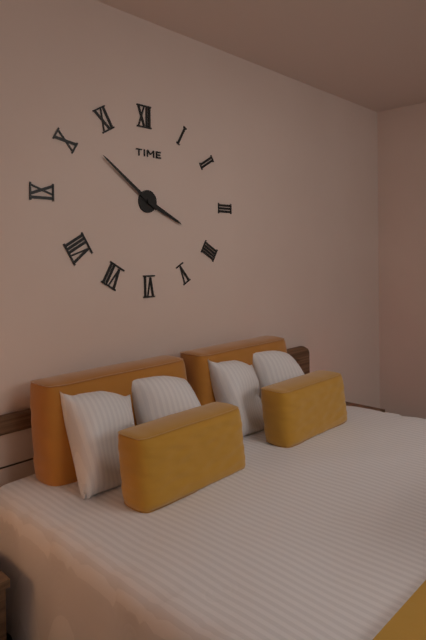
3:51
